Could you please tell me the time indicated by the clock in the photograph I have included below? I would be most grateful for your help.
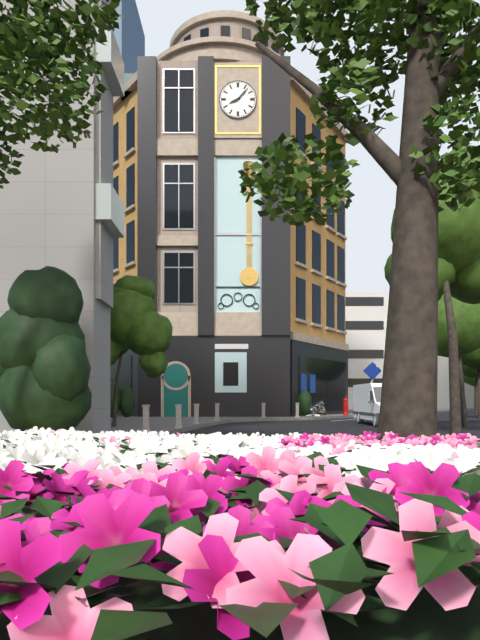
8:07
